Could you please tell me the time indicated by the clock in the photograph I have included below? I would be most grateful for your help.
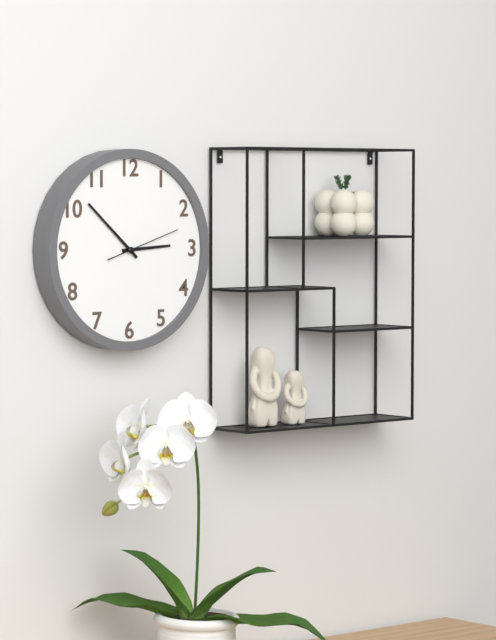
2:52:12
